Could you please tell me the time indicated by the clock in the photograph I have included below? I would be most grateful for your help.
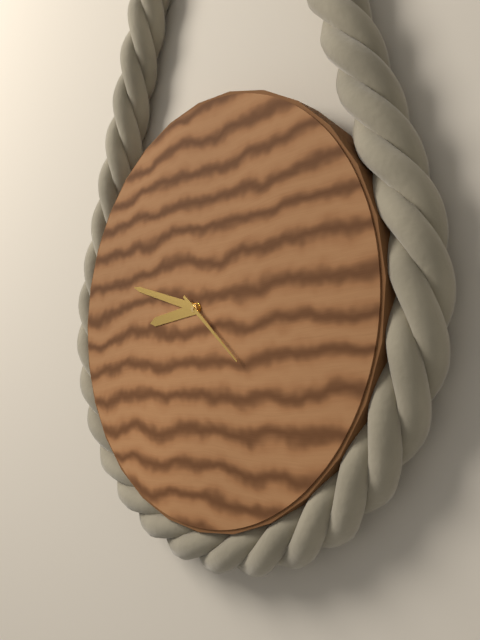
8:48:22
